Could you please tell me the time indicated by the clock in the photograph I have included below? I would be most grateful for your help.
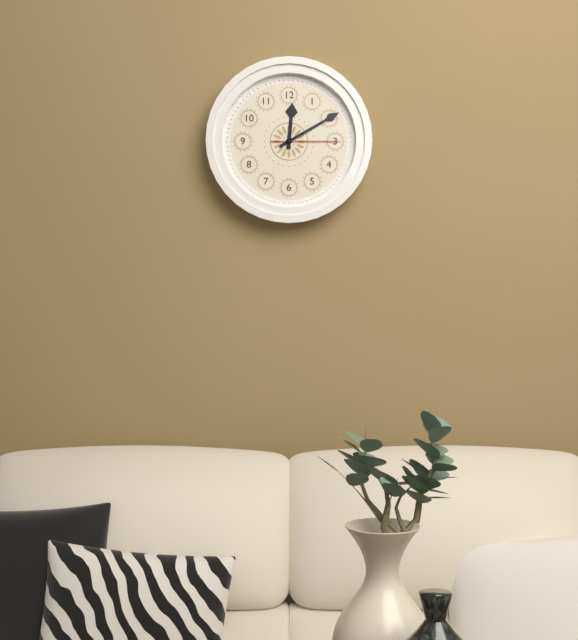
12:10:15
